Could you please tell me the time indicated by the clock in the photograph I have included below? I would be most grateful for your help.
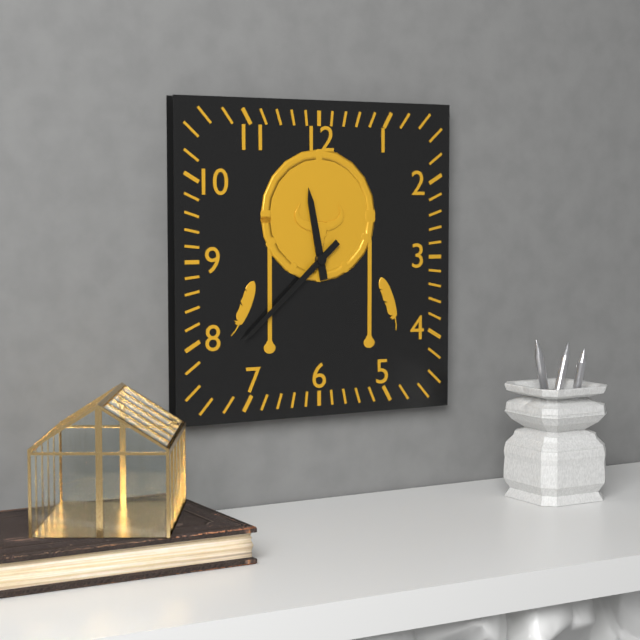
11:38
